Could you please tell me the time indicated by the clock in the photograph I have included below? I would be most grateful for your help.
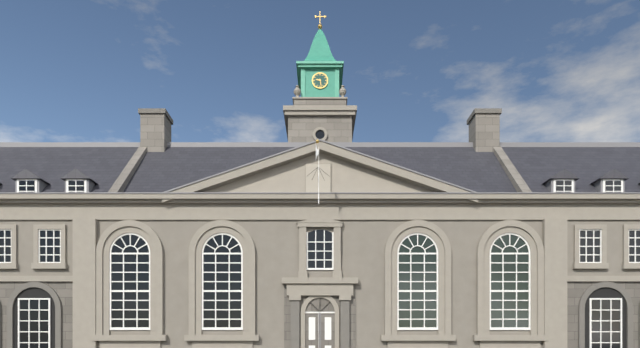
9:28
